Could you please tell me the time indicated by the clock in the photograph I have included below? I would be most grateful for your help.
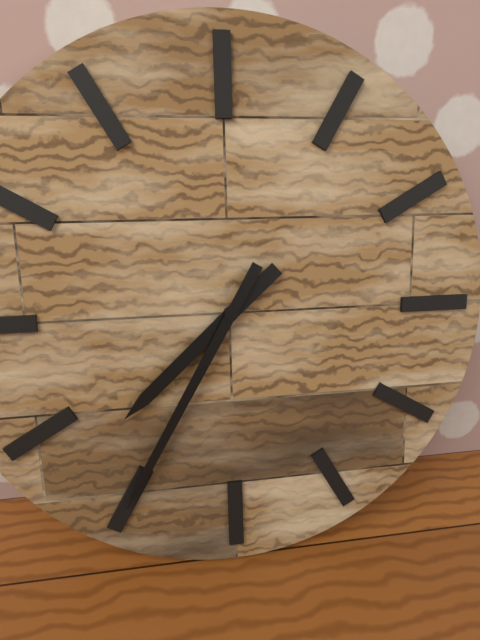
7:35
